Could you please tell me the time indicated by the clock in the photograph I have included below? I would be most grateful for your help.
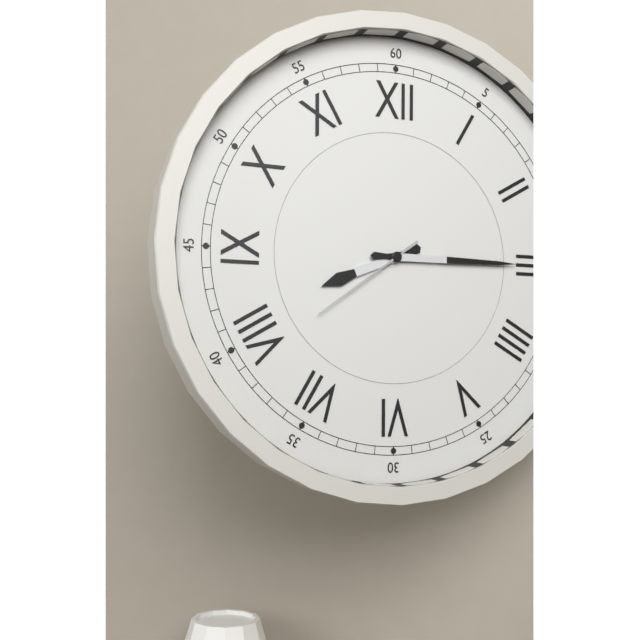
8:15:39
